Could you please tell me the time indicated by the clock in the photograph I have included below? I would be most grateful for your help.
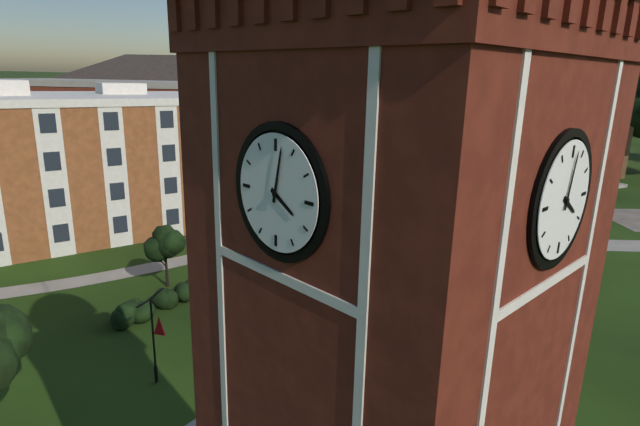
4:02
